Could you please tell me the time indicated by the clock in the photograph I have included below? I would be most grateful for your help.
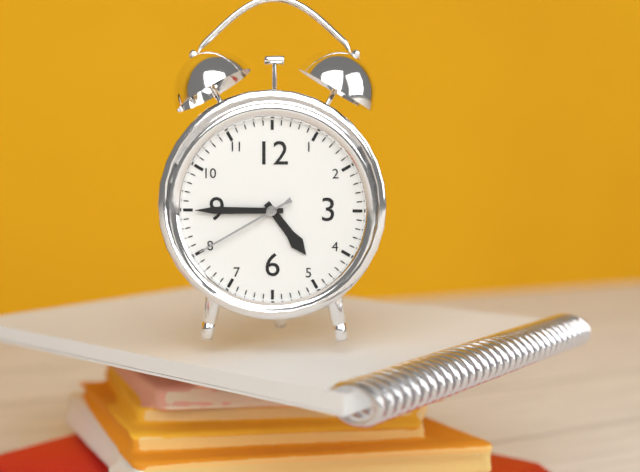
4:45:40
